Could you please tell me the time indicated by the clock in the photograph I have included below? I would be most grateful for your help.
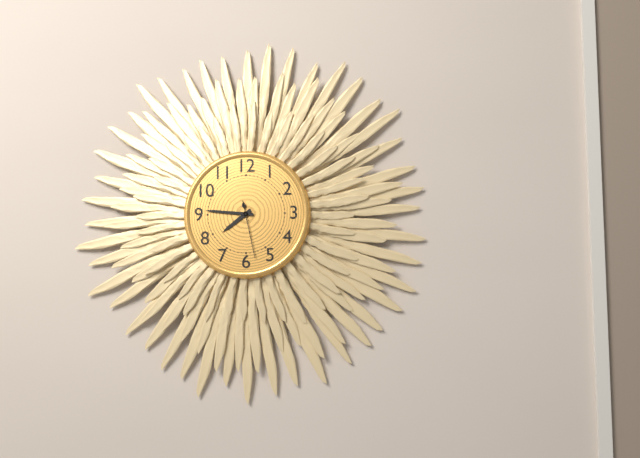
7:46:28
